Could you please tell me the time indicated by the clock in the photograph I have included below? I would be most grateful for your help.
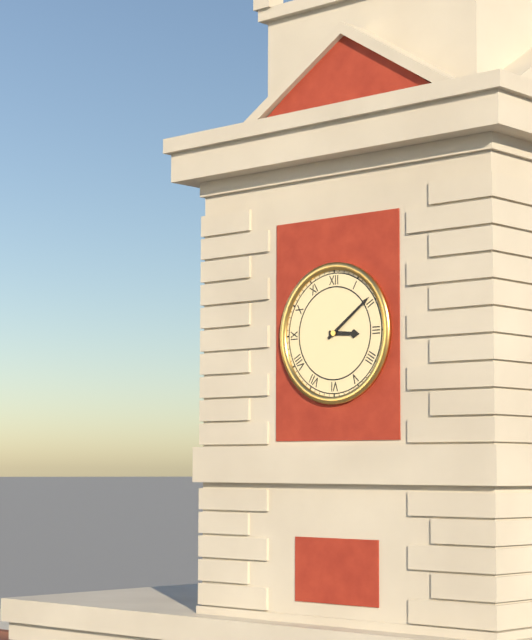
3:09
